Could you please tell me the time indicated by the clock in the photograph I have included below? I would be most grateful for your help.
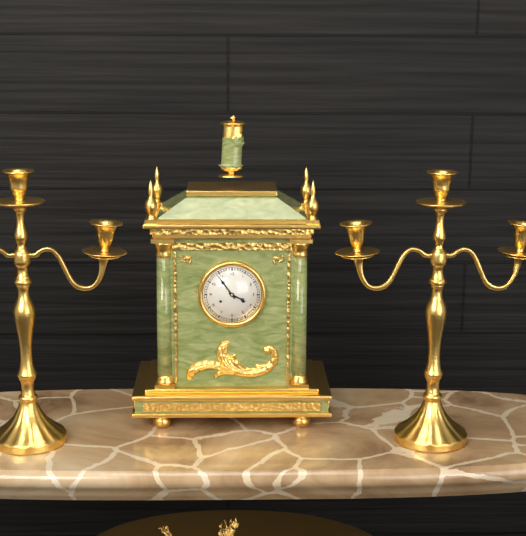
3:54
